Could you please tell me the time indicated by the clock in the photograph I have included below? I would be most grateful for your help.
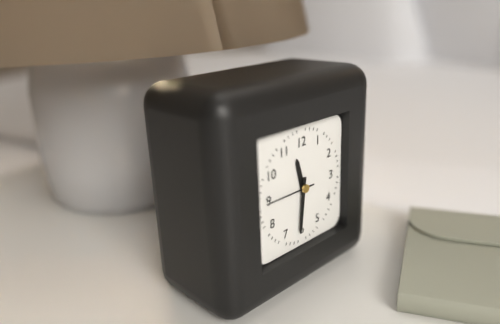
11:31:45
